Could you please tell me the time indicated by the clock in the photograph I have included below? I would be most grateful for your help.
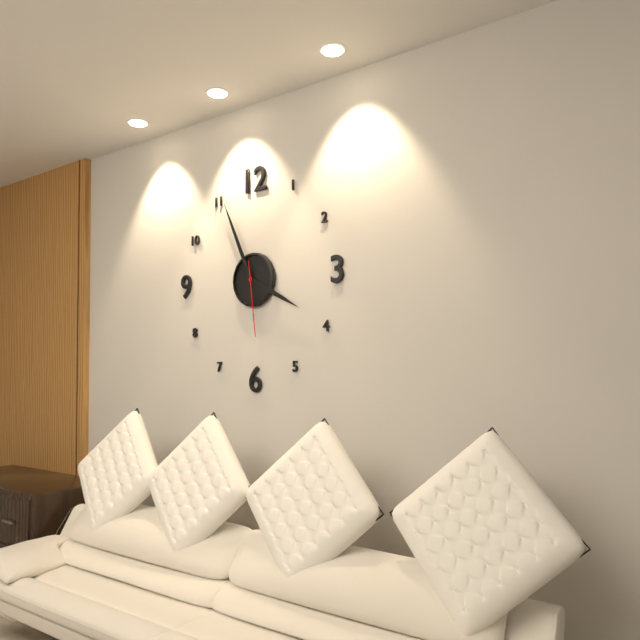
3:56:29
